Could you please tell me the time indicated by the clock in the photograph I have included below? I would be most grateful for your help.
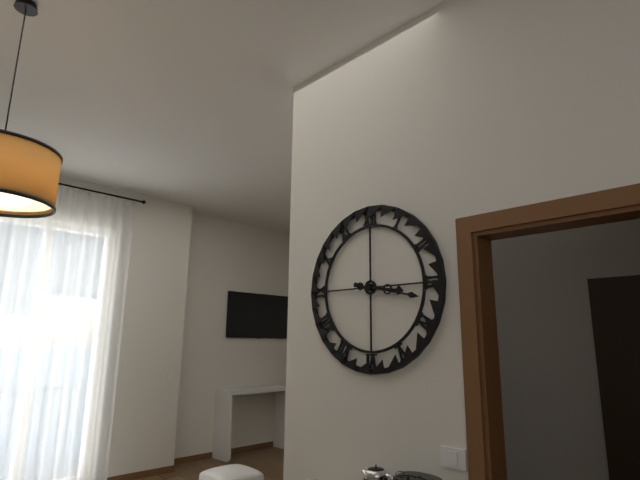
3:17
